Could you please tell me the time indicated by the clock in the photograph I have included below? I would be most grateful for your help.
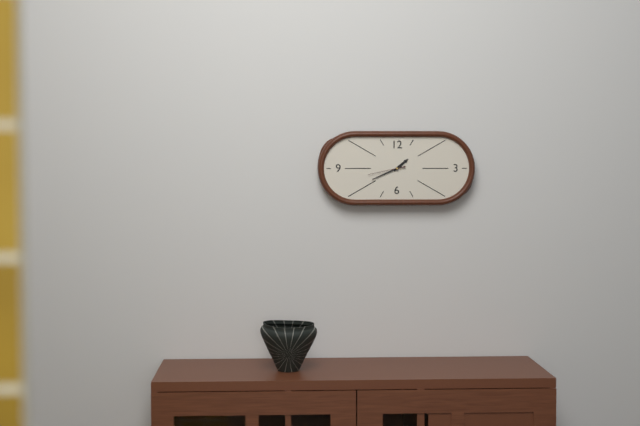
1:41
